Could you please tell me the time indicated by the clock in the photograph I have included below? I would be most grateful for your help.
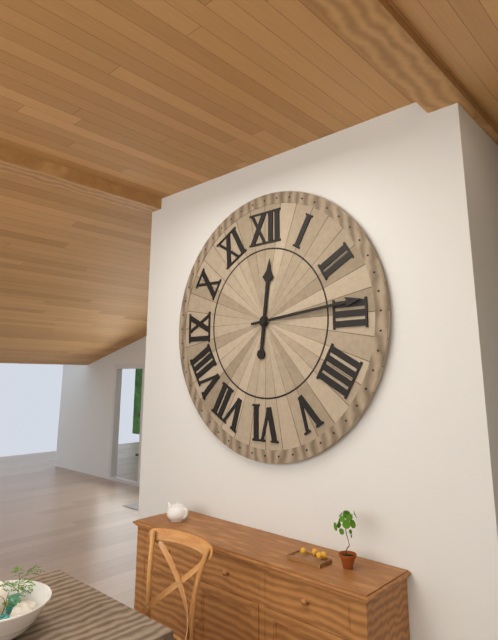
12:14
